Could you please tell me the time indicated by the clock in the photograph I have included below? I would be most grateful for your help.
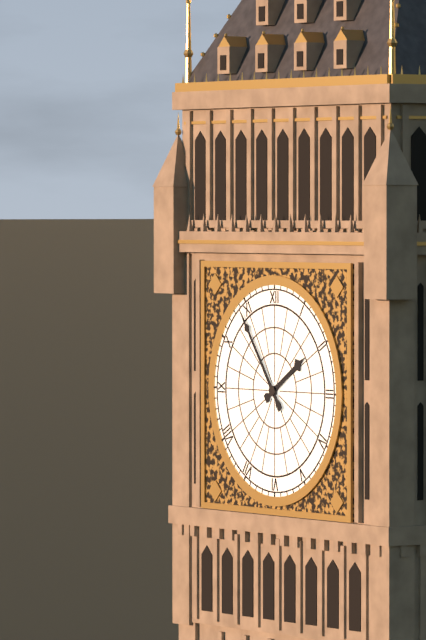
1:54
